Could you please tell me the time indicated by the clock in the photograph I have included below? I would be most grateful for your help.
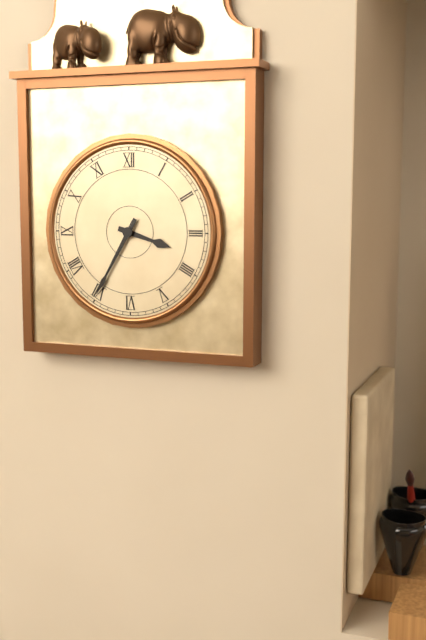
3:35
